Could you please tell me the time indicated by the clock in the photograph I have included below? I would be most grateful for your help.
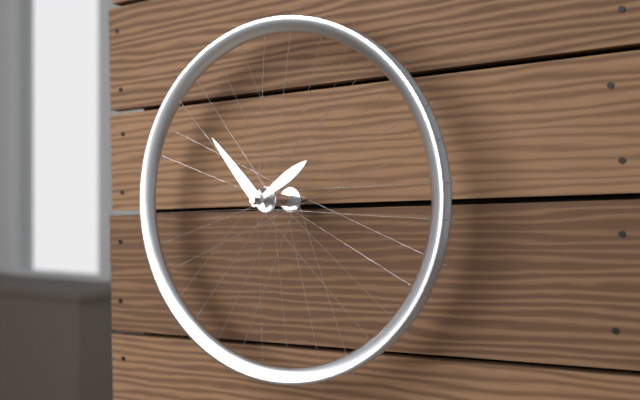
1:53
